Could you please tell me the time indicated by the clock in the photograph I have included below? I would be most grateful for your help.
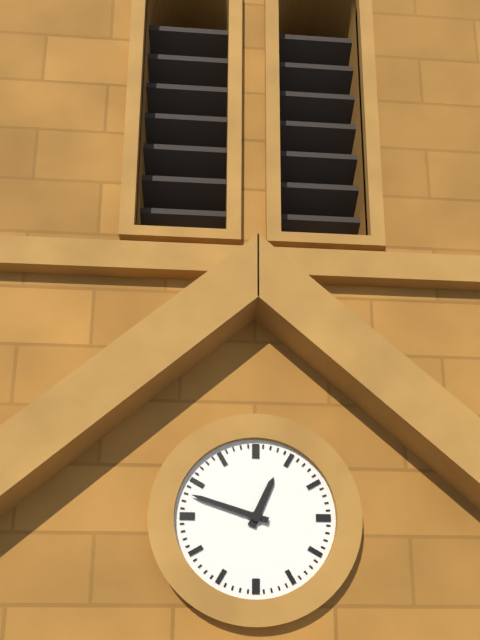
12:48
